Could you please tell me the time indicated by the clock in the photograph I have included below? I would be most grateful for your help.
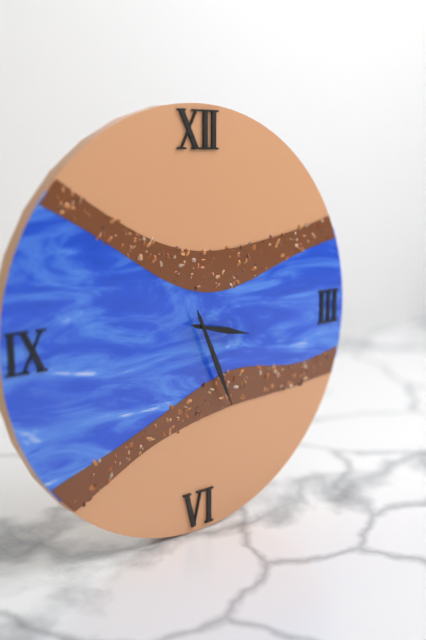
3:26
